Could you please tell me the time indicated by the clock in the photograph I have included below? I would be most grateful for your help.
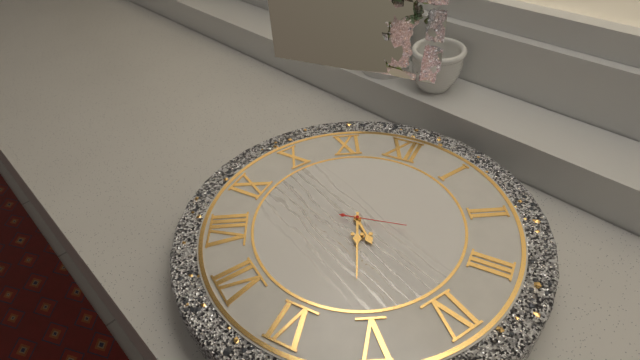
4:26:13
